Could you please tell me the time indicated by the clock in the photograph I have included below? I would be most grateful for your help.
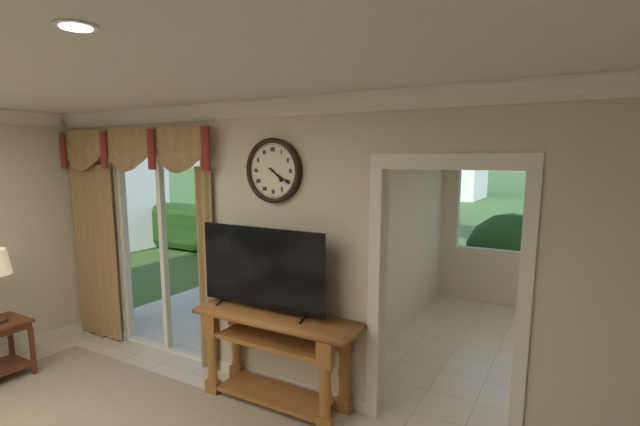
4:20
